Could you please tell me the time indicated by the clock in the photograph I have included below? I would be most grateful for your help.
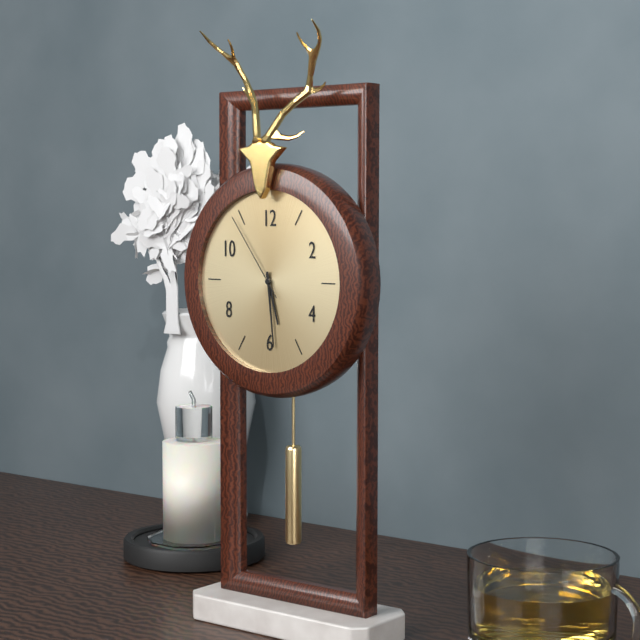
5:29:54
